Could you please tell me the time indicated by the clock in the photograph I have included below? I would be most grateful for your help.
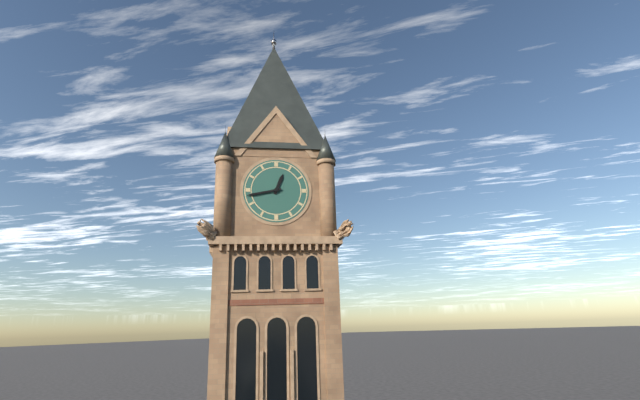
12:43
